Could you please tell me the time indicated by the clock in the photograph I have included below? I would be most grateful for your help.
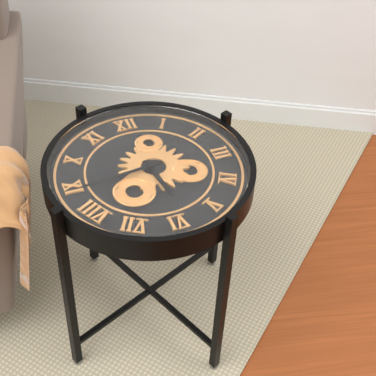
5:44
